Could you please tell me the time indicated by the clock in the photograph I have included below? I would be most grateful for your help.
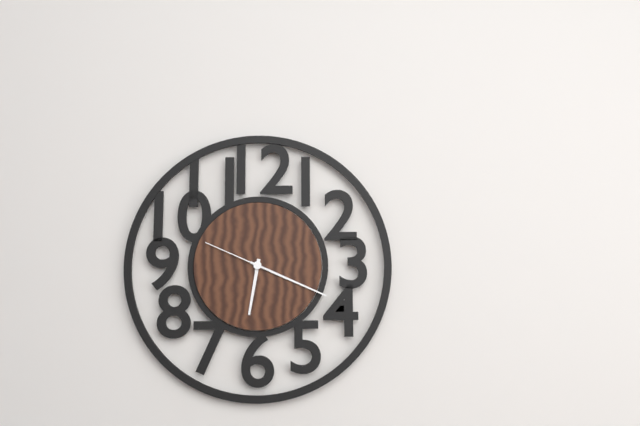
6:19:49
